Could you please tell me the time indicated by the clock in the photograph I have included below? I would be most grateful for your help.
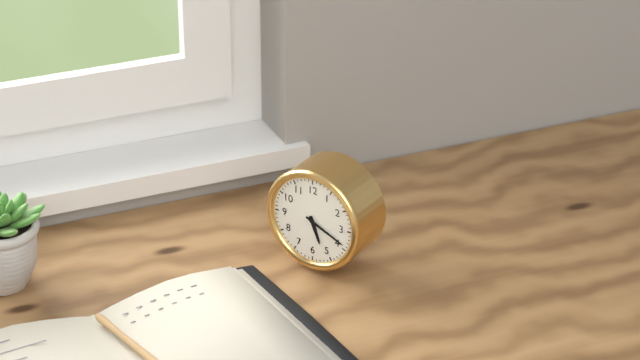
5:19
